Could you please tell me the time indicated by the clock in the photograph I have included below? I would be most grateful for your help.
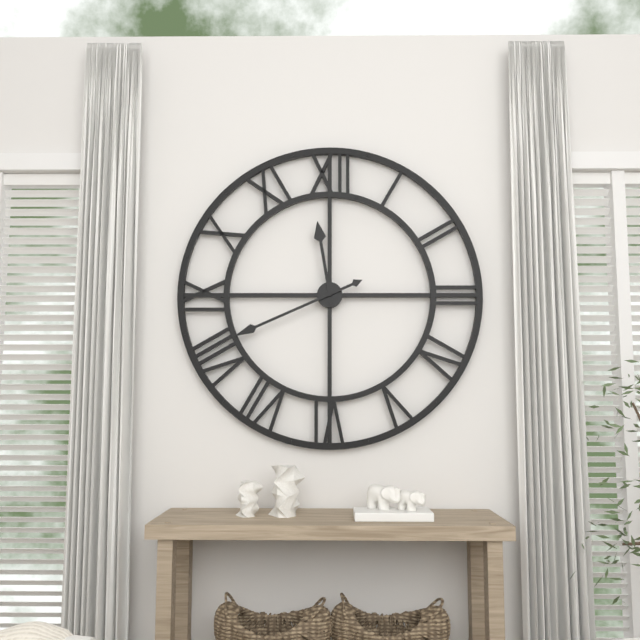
11:41
